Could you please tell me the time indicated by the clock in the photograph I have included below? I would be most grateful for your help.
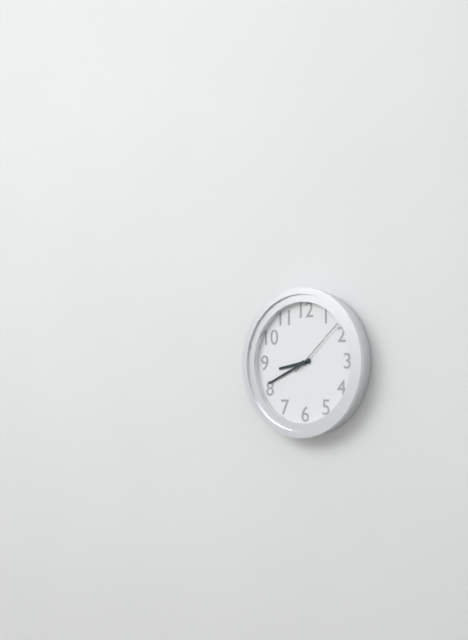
8:41:08
